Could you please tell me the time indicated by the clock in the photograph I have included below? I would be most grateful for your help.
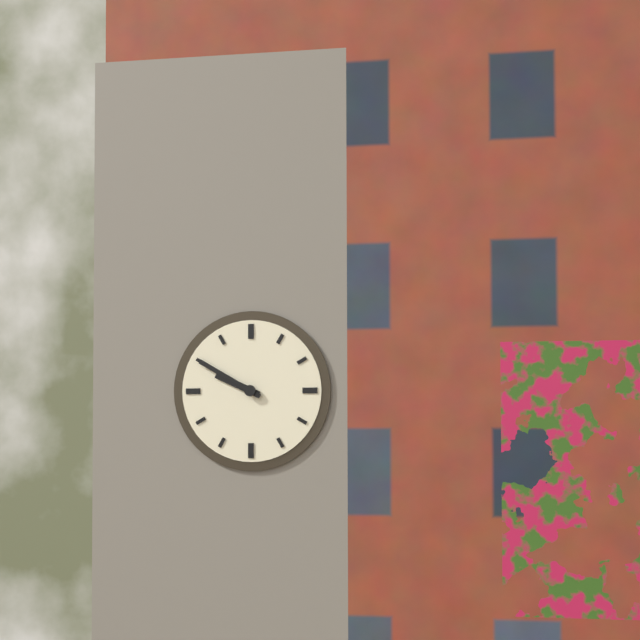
9:50
